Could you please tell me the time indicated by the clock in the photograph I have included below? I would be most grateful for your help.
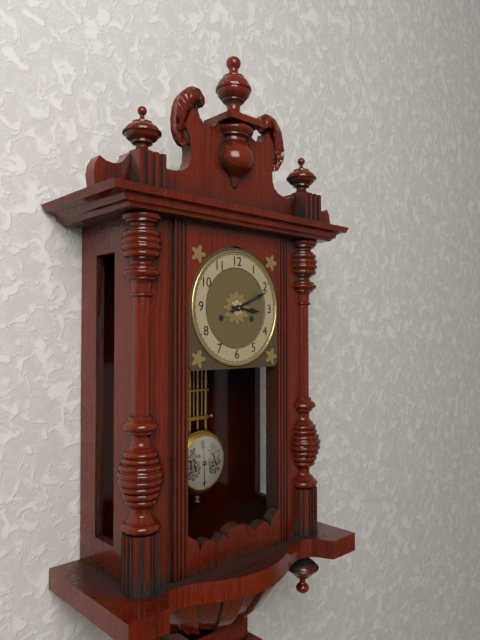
3:11
